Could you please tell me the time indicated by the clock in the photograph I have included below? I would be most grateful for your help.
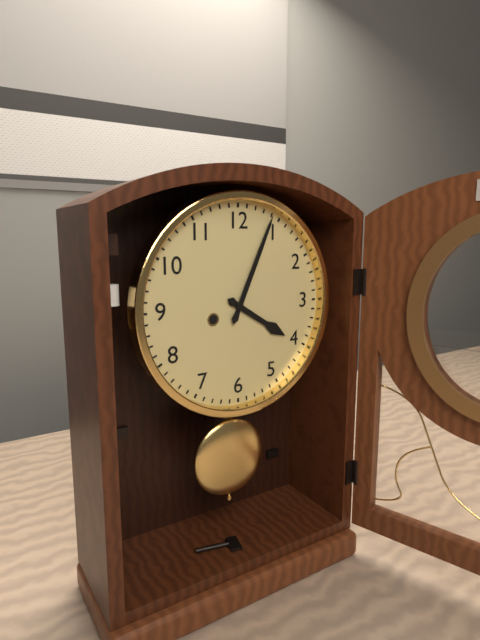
4:04
